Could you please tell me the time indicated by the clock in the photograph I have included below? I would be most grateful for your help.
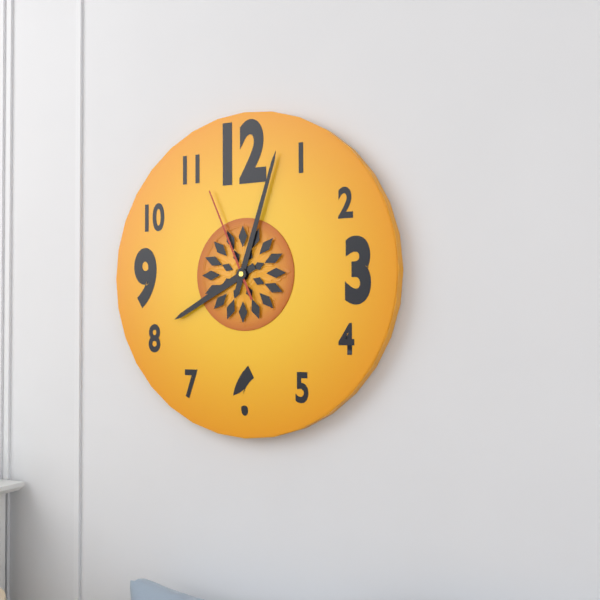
8:03:56
